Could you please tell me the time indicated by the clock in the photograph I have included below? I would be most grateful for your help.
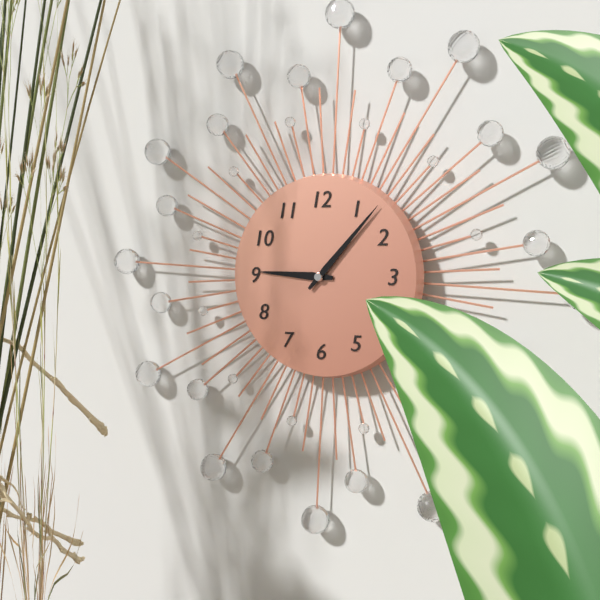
9:07
